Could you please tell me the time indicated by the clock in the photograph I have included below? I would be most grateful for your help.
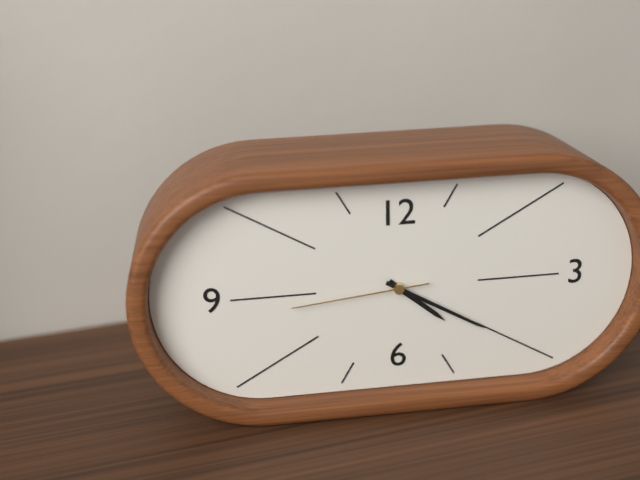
4:20:44
